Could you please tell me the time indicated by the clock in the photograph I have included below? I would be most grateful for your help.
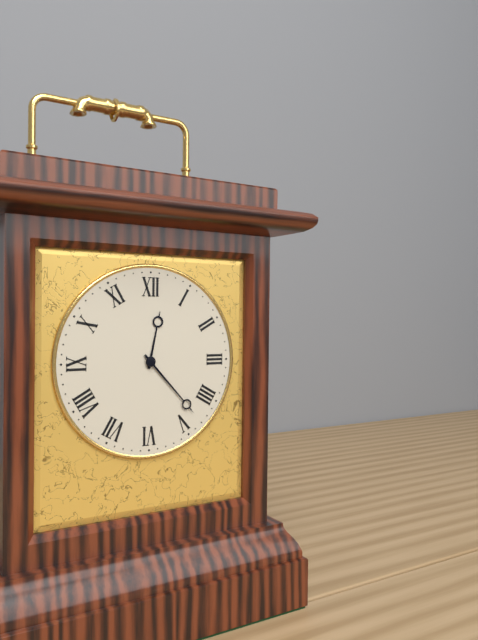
12:23
